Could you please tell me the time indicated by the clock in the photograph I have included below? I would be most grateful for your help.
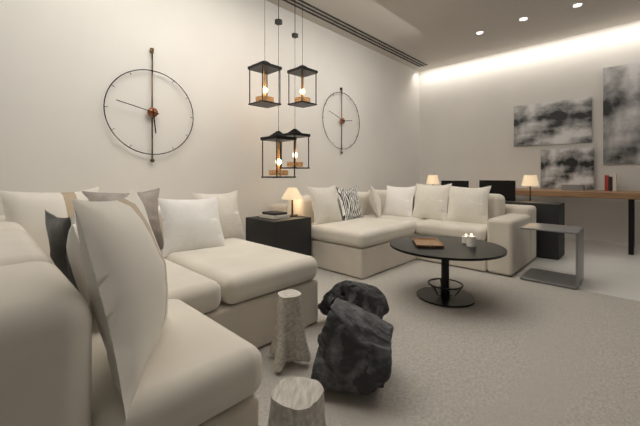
5:47
